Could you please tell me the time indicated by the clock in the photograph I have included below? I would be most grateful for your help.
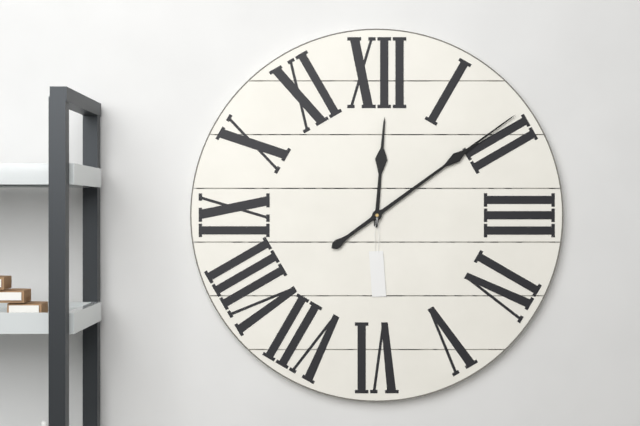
12:09
